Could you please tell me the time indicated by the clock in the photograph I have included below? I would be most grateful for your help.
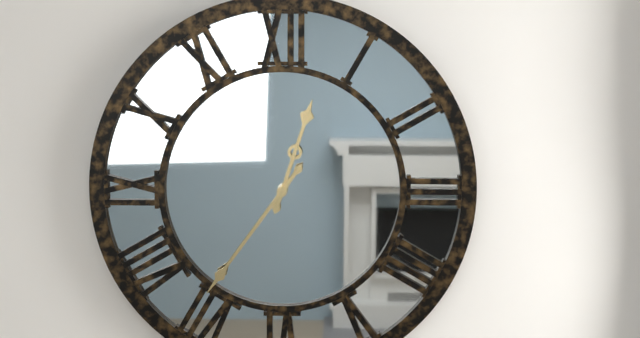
12:36
